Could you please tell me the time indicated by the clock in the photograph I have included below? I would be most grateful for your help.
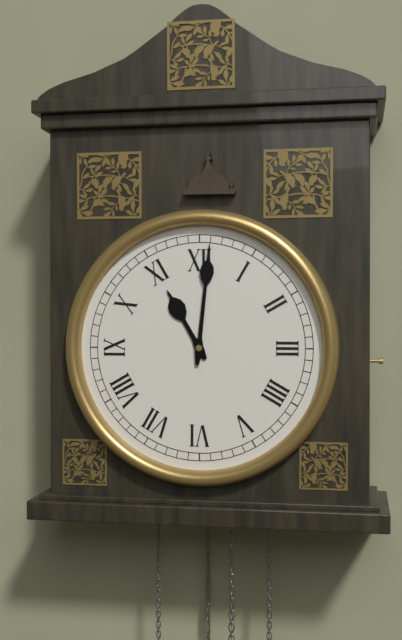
11:01
